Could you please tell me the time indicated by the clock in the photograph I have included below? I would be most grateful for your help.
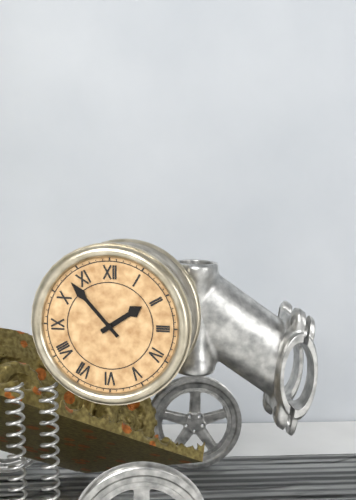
1:53
